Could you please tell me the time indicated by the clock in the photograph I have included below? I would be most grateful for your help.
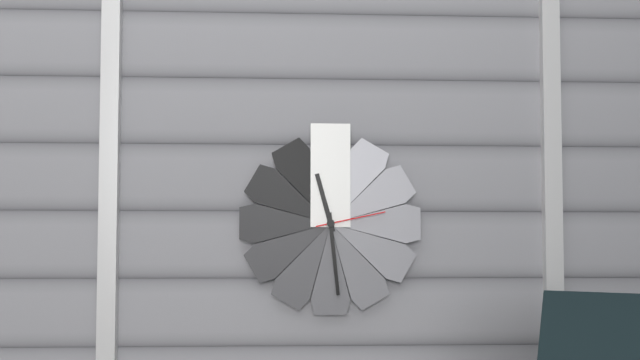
11:29:13
